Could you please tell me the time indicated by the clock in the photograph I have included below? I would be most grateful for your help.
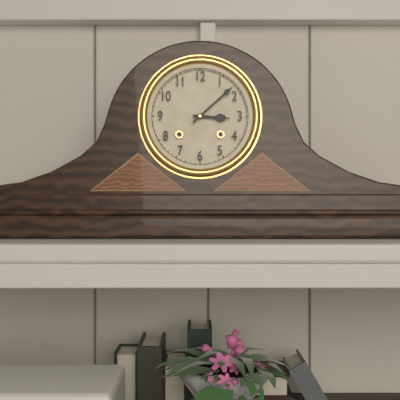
3:08
